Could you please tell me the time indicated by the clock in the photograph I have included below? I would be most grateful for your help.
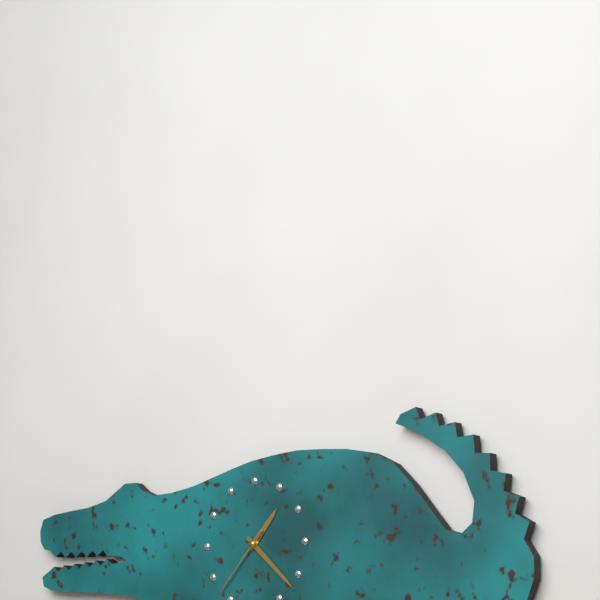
1:22:37
